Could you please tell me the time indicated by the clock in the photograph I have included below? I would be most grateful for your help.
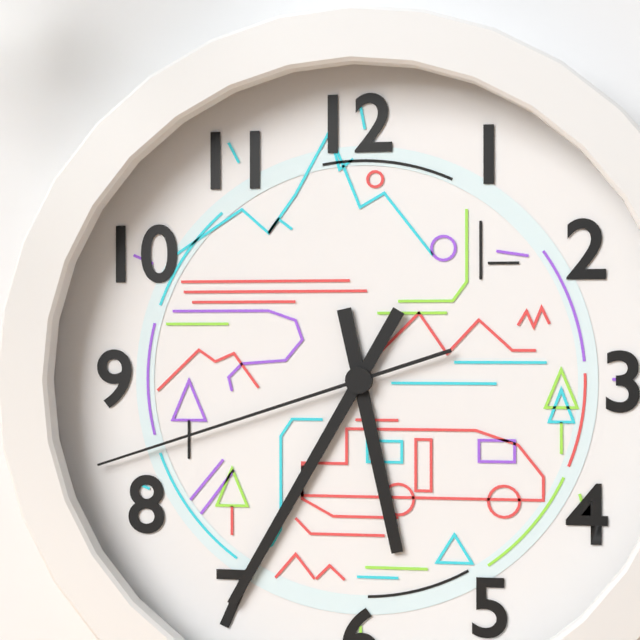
5:35:42
